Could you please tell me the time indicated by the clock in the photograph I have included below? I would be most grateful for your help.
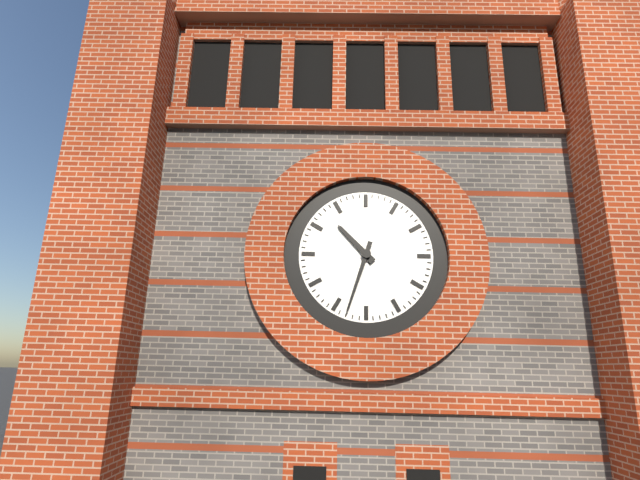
10:33
